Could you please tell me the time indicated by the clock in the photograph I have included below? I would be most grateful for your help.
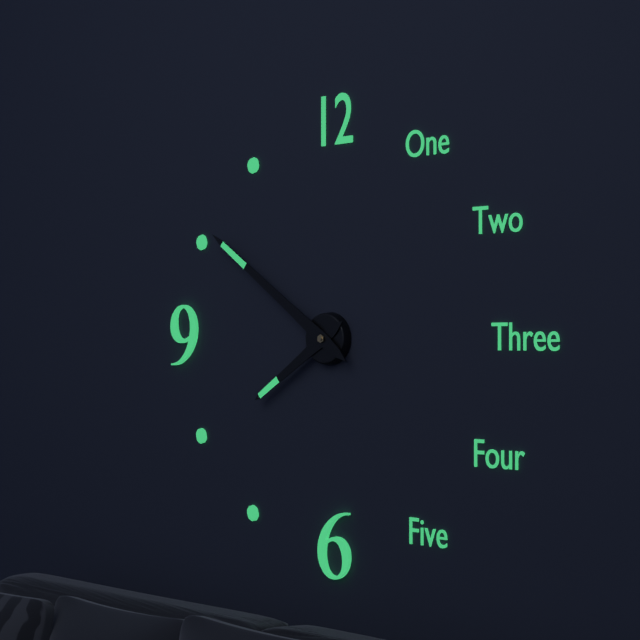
7:51
